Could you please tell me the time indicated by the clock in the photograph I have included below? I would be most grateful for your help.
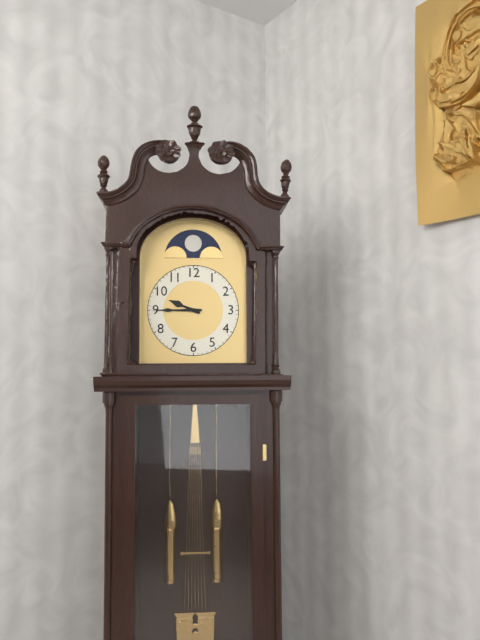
9:45
